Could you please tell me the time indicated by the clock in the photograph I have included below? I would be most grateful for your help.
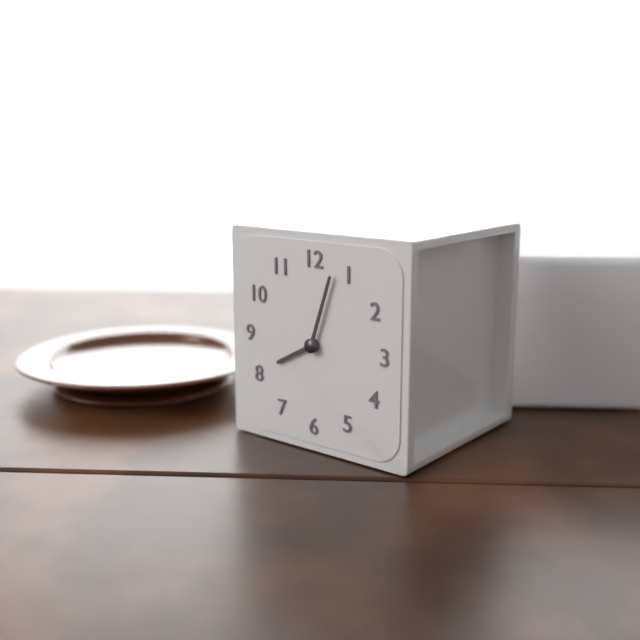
8:03
